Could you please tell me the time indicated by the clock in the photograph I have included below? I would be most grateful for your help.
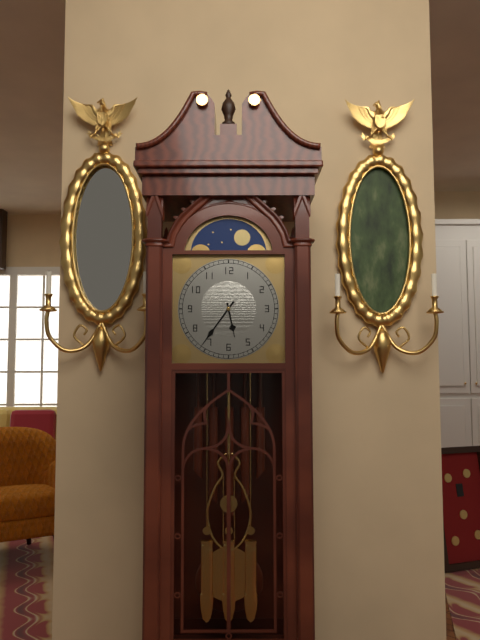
5:36
